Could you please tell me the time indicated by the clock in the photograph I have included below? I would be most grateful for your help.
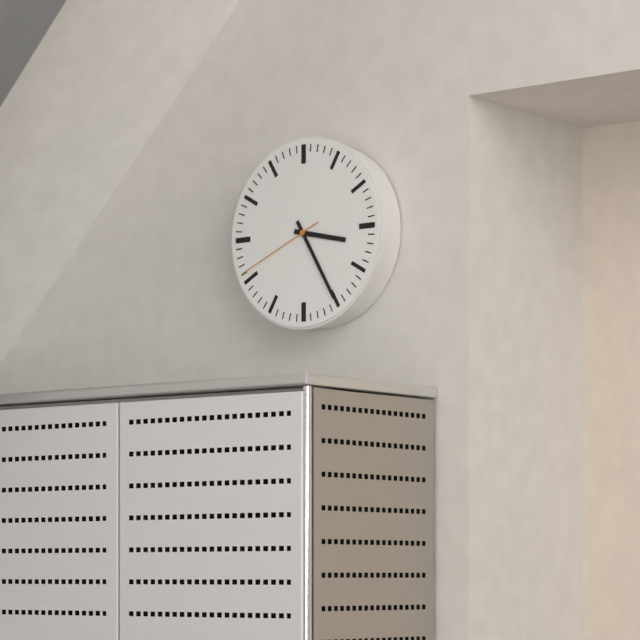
3:25:41
